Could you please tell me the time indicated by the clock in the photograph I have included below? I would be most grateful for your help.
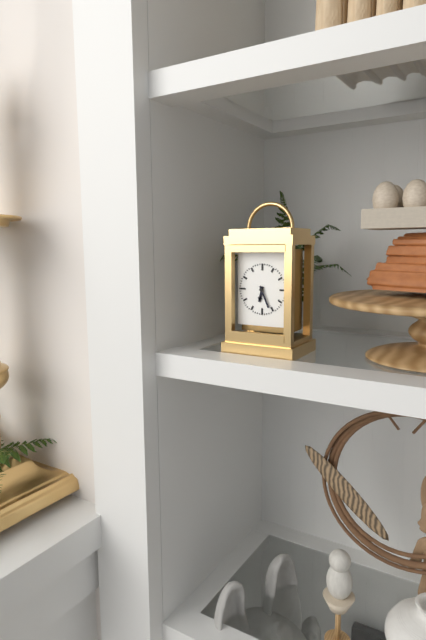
6:26
